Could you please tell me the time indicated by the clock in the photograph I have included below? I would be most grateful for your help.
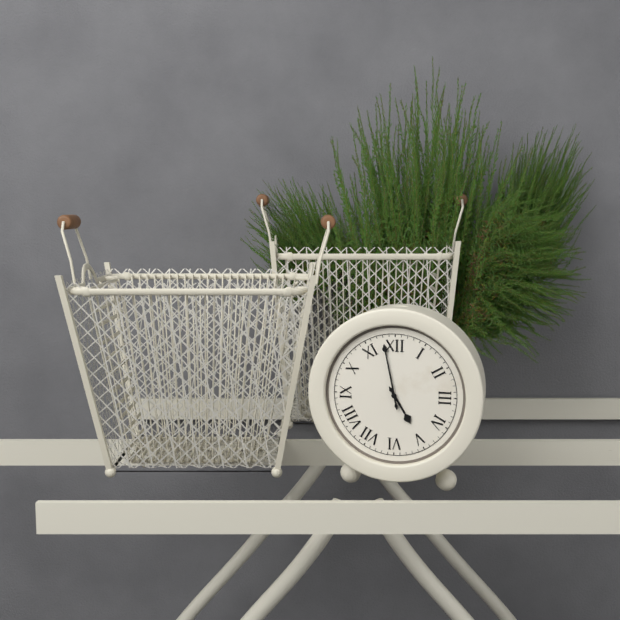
4:58
